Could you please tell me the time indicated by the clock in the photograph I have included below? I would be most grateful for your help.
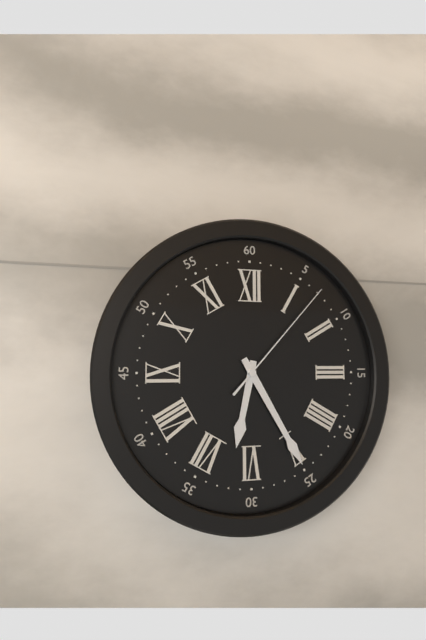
6:25:07
